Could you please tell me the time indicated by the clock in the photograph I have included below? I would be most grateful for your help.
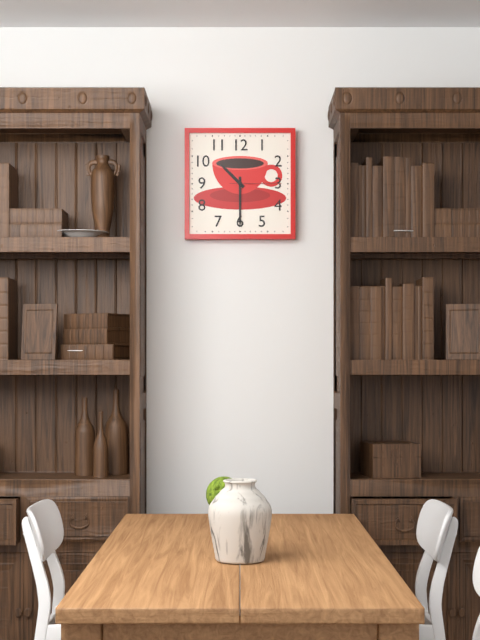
10:30:15
